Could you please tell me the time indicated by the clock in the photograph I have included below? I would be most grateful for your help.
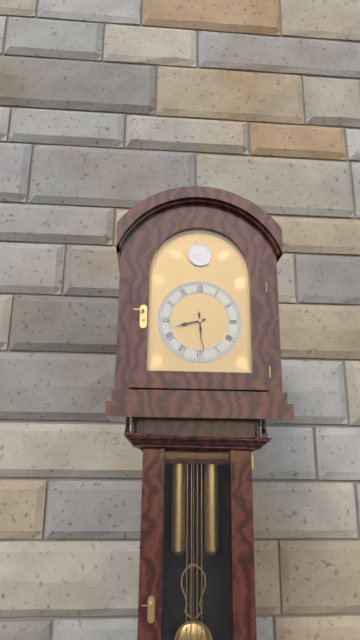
8:29
